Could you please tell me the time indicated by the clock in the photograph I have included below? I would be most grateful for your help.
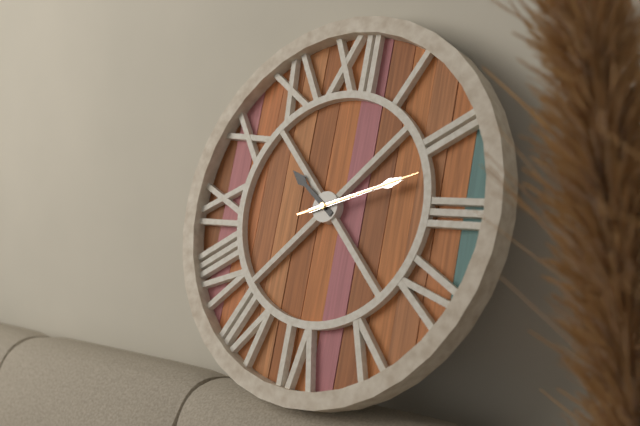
10:12:12
